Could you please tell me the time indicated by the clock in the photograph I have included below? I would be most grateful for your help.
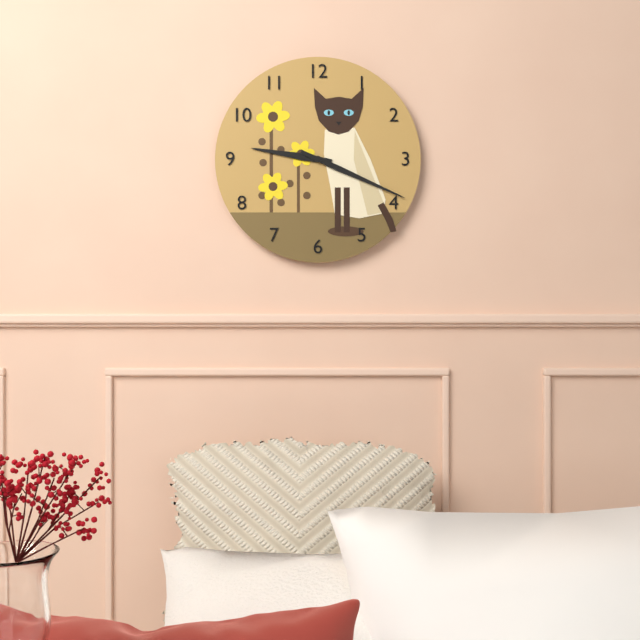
9:19
